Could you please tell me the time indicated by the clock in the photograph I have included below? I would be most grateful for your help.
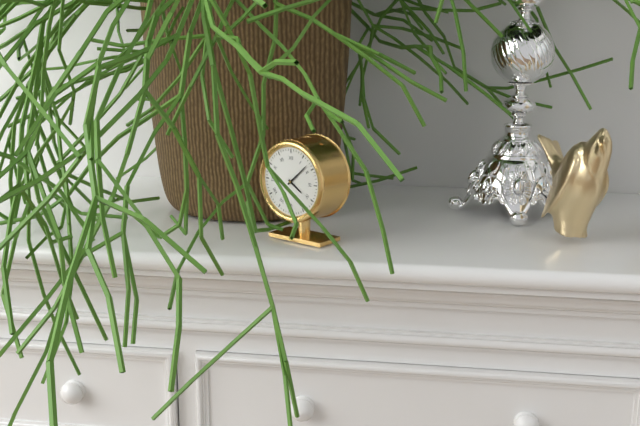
4:08
